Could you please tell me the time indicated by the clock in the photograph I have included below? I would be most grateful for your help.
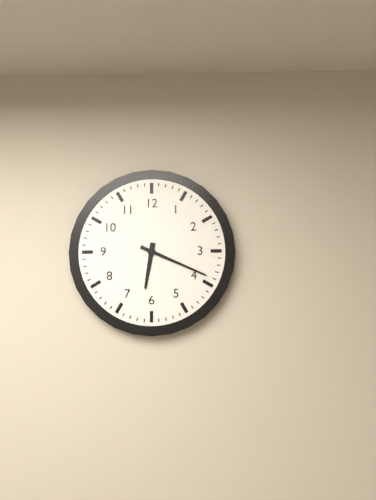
6:19
